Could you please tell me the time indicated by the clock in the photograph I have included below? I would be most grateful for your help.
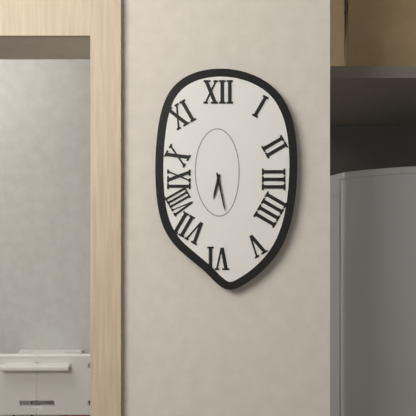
6:28
